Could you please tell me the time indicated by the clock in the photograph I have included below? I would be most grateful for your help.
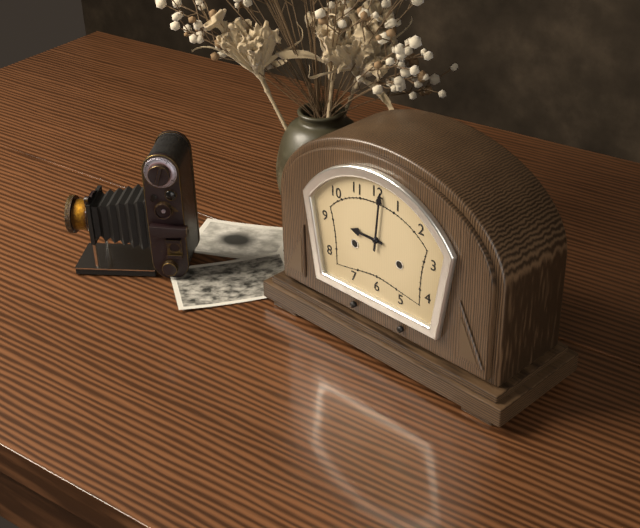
9:01
